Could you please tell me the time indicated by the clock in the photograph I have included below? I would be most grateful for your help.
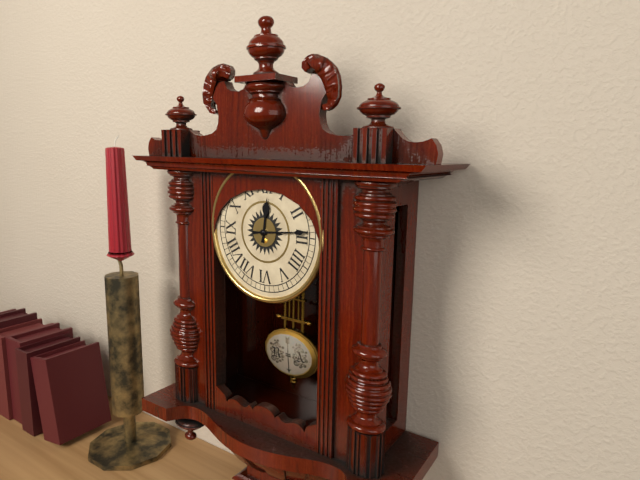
12:14
